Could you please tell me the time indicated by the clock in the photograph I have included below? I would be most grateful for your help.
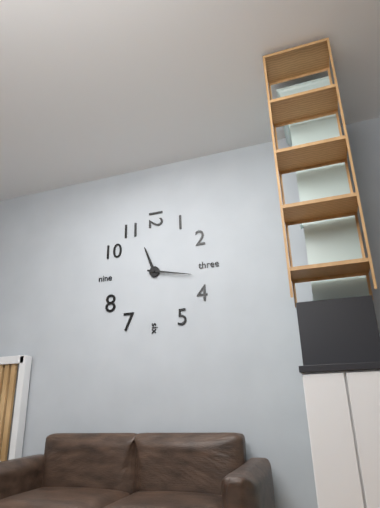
11:17
